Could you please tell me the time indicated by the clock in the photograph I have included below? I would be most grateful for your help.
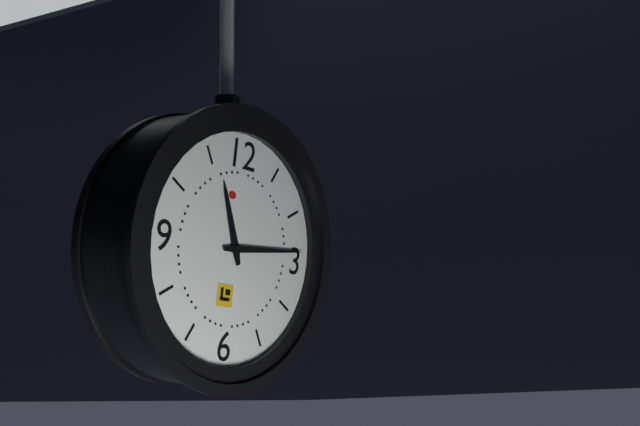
11:14
